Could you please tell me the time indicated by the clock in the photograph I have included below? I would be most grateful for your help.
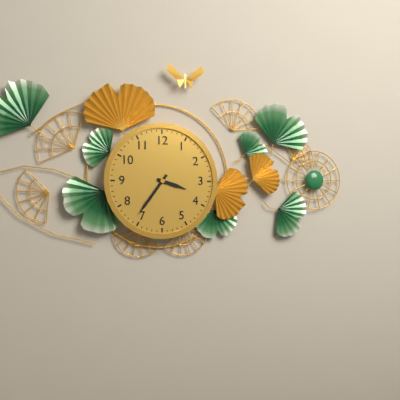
3:36
